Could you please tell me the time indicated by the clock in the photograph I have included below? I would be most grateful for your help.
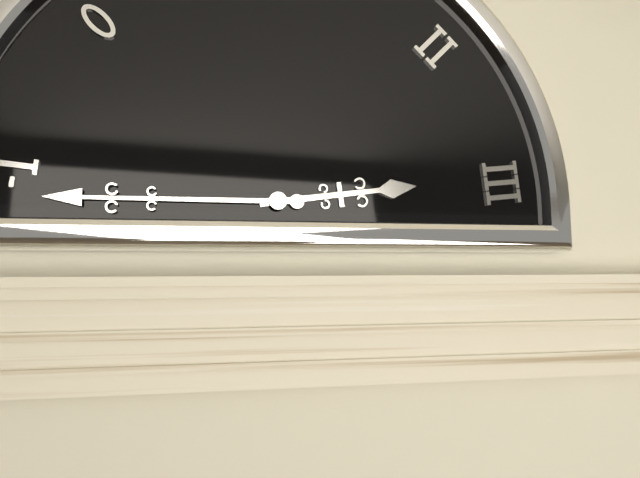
2:45
